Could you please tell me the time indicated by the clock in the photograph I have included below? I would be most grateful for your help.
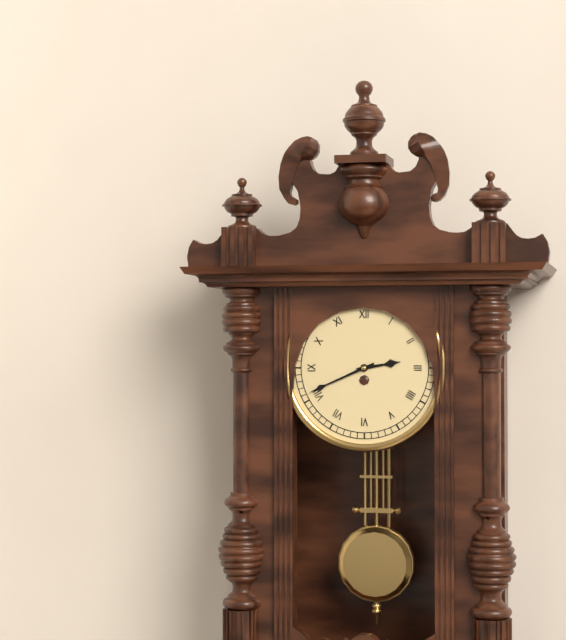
2:41
